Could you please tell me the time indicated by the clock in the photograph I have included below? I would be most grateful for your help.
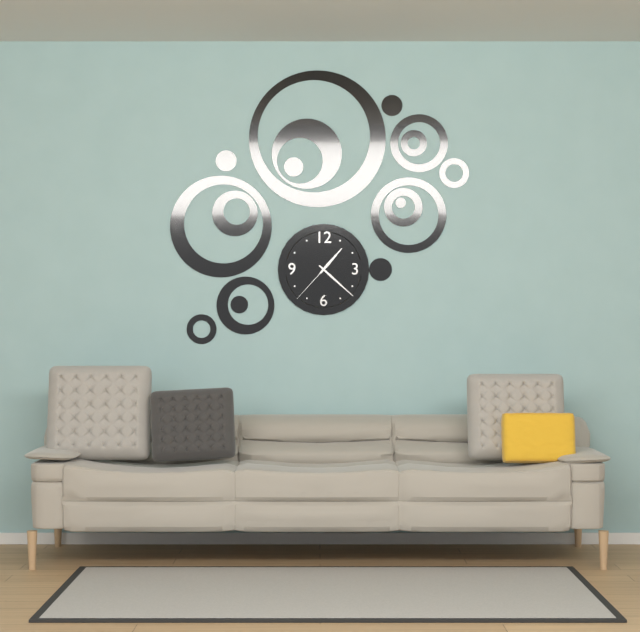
1:22
